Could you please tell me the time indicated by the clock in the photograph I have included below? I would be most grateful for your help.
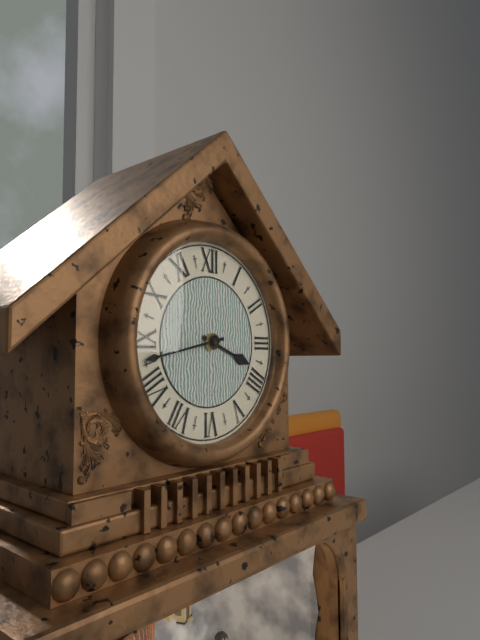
3:43
